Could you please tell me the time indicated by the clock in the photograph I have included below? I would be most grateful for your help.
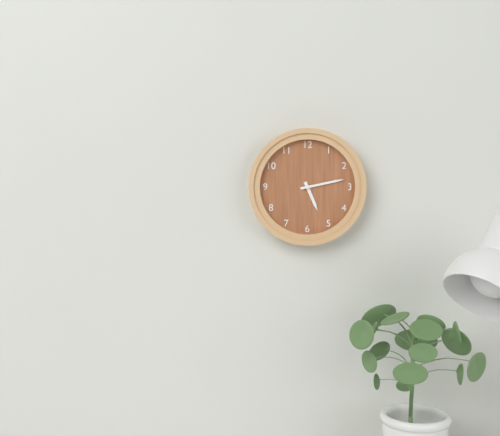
5:13
